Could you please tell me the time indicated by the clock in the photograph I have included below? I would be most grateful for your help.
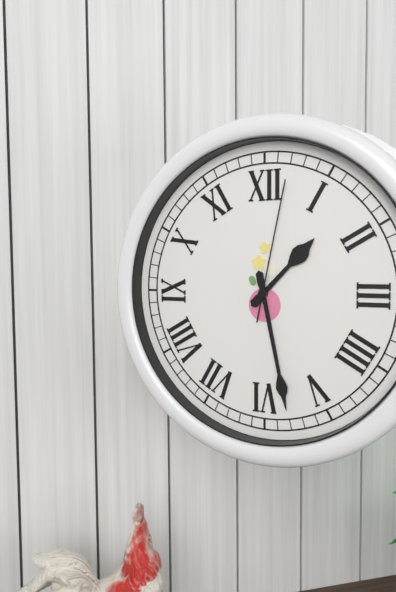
1:28:02
